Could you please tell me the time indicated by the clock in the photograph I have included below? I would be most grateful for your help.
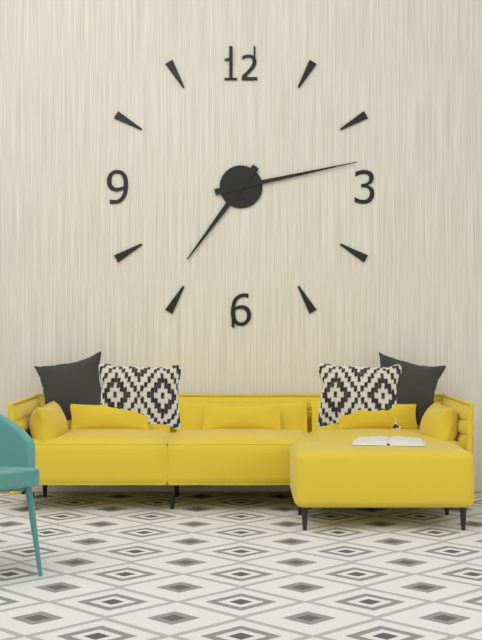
7:13
